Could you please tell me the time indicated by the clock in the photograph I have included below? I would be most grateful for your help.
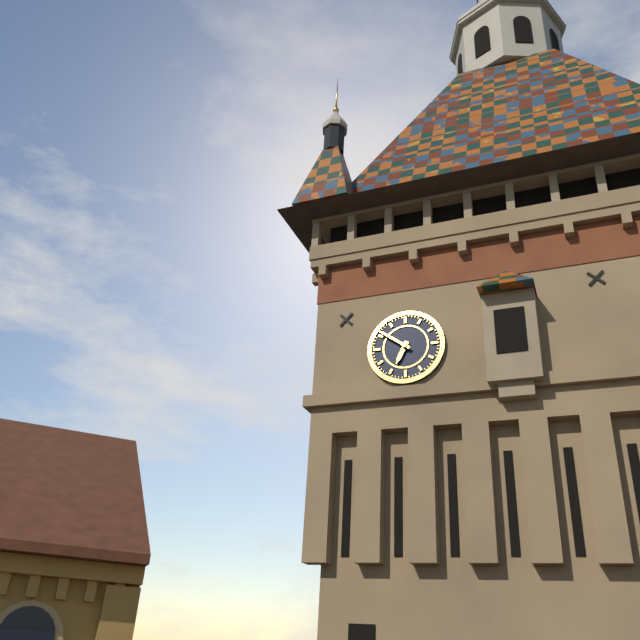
6:51
